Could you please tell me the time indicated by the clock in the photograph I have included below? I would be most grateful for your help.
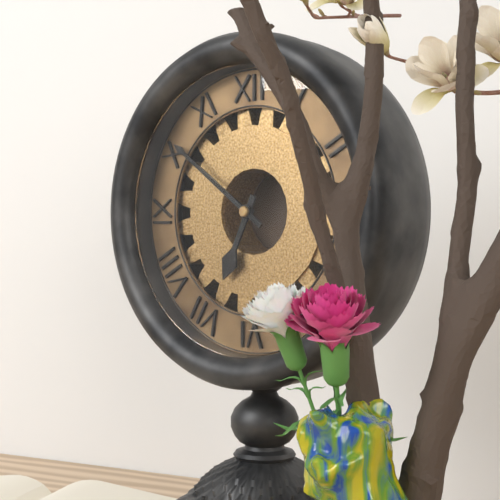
6:51
